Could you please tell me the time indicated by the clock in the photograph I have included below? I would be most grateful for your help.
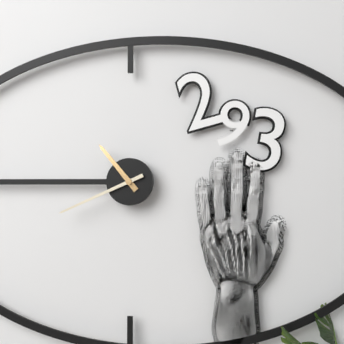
10:41
